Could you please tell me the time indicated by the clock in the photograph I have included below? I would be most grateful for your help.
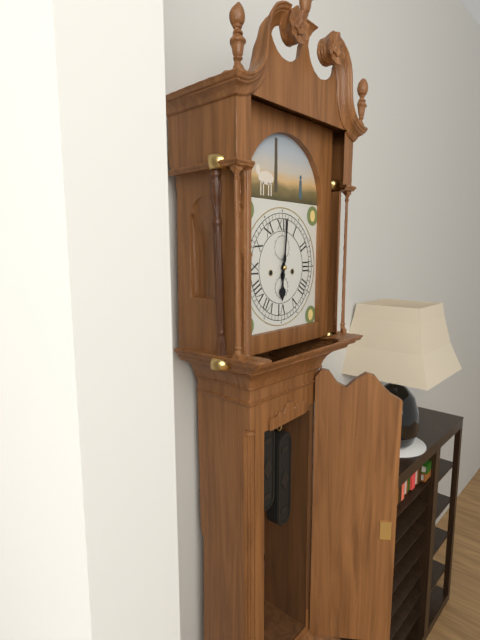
6:01
